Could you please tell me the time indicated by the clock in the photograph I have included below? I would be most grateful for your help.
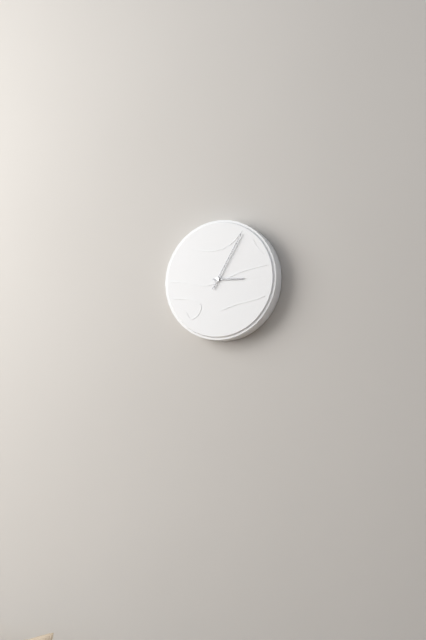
3:05
